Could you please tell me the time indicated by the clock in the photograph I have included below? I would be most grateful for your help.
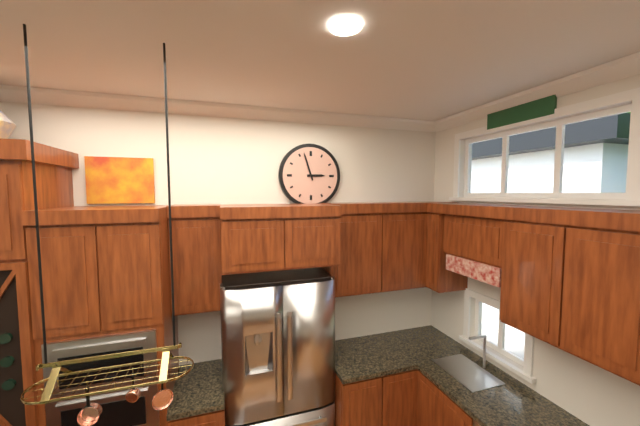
2:57
